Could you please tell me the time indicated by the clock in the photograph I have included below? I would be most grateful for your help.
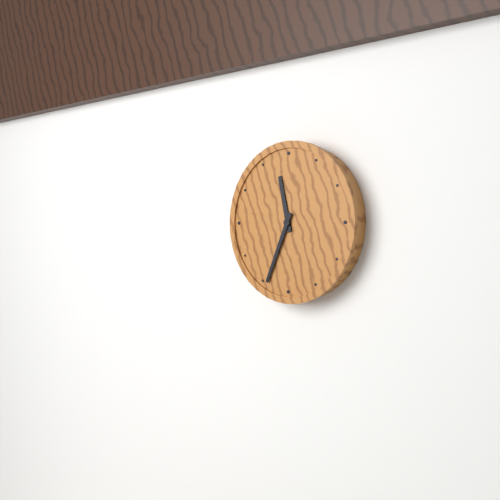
11:34
